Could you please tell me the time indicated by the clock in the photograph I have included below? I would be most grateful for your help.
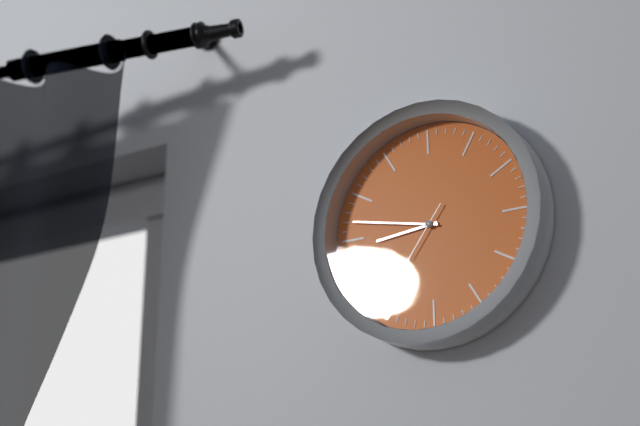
8:47:36
